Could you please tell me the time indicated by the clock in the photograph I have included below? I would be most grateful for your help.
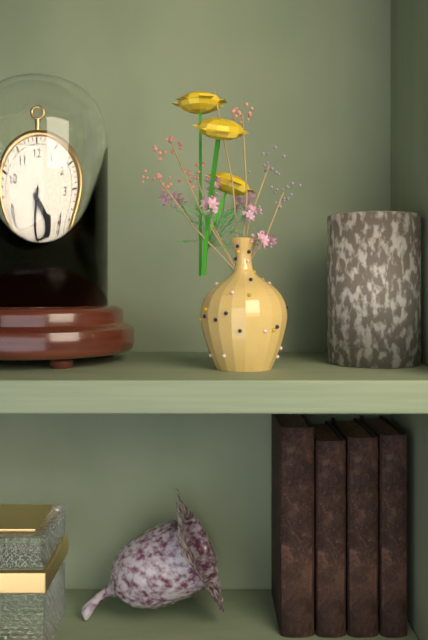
4:32
